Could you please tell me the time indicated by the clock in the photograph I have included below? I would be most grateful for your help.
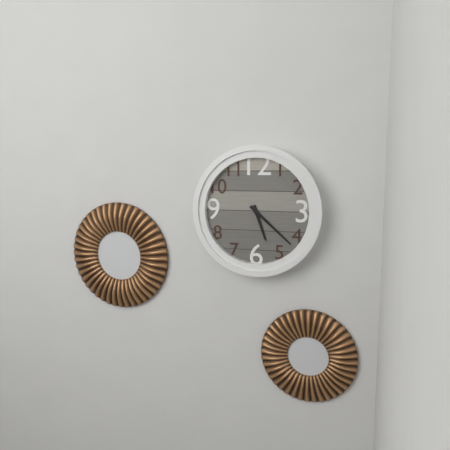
5:22
